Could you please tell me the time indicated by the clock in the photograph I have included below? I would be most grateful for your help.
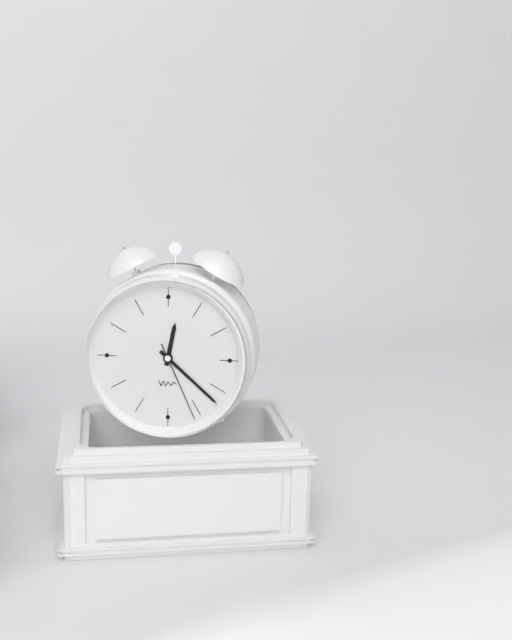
12:22:26
